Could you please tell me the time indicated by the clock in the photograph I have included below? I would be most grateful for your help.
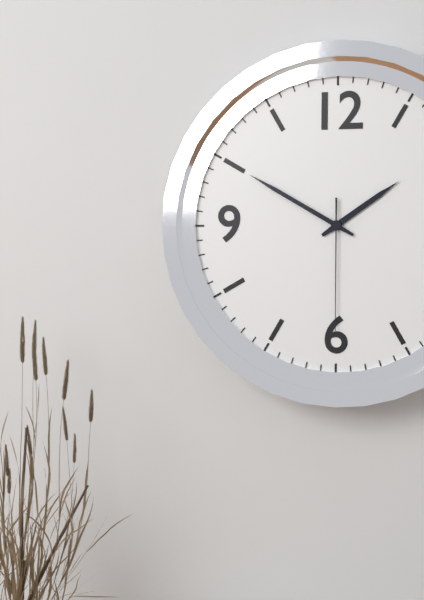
1:50:30
